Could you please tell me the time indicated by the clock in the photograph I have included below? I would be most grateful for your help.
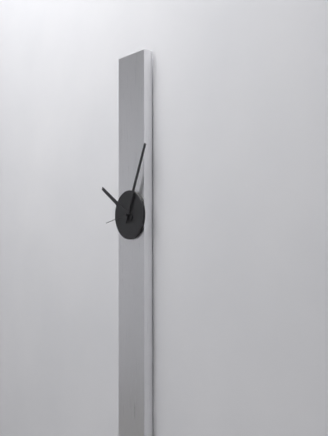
10:04
